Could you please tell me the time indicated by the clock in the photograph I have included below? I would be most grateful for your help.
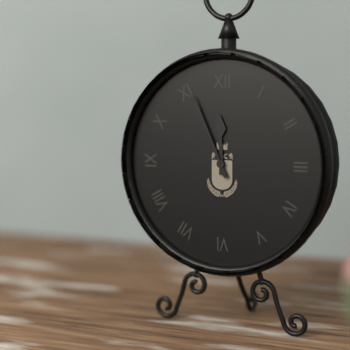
11:56
